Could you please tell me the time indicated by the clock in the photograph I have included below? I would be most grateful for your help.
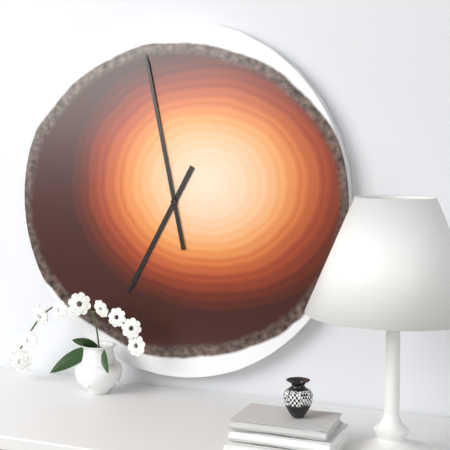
6:58
